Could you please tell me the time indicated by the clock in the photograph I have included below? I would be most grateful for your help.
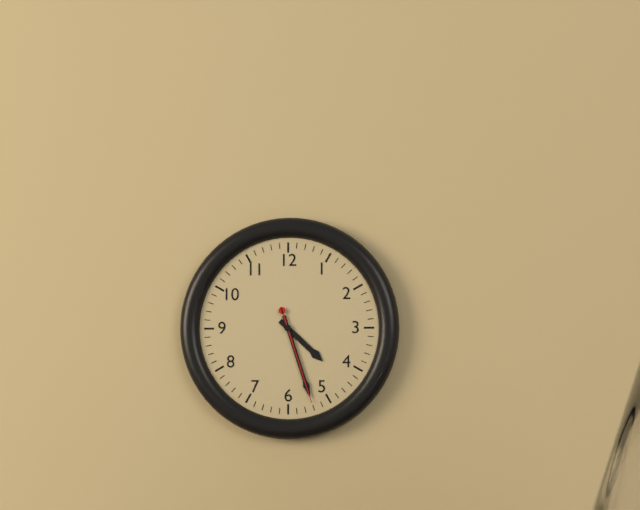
4:27:27
